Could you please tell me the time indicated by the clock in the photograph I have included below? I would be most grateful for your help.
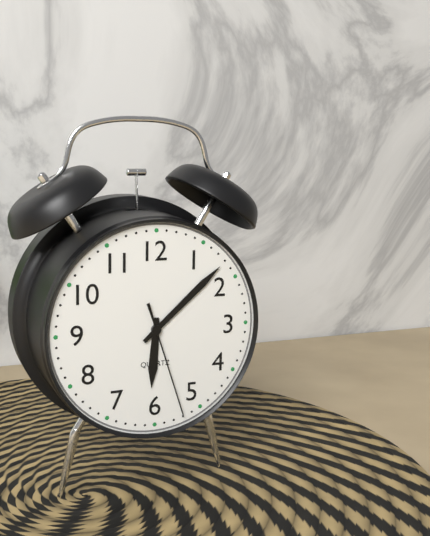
6:08:27
